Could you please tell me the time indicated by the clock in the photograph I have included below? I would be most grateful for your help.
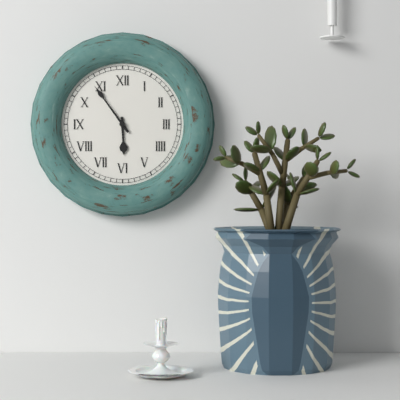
5:54
